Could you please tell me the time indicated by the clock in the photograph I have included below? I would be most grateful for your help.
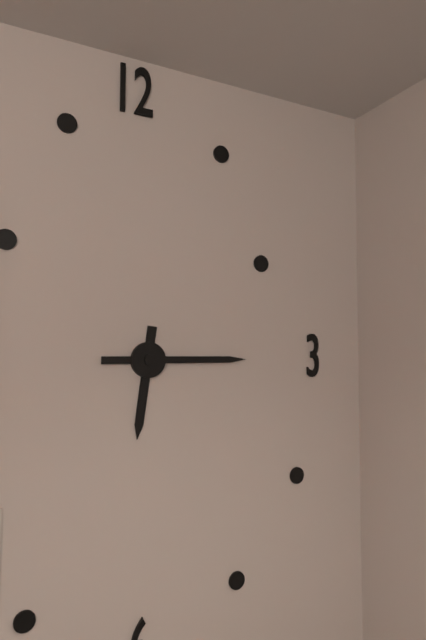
6:15
